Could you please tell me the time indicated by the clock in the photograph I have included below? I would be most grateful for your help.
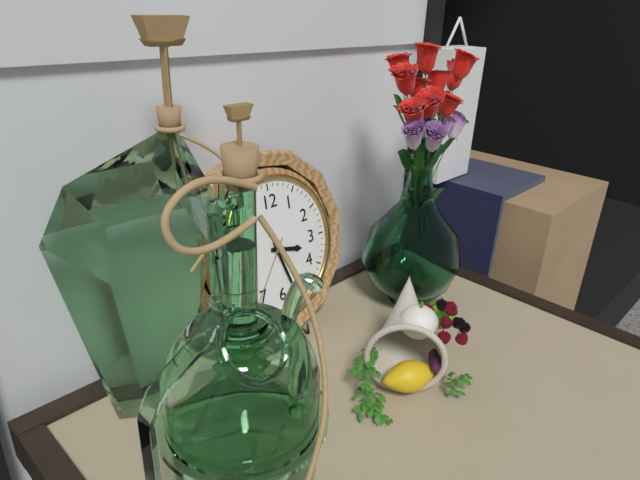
3:27:36
